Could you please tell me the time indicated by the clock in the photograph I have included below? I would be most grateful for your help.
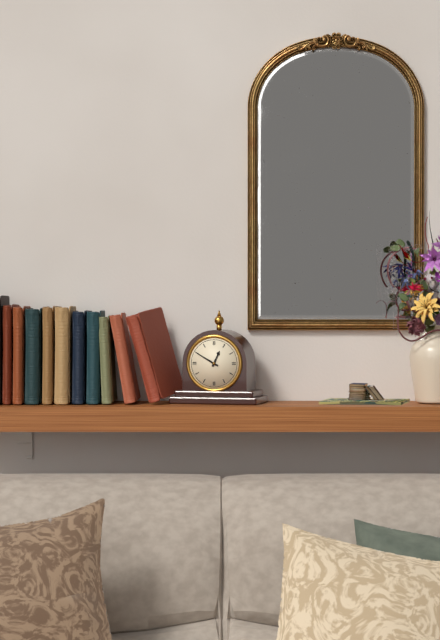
12:50
